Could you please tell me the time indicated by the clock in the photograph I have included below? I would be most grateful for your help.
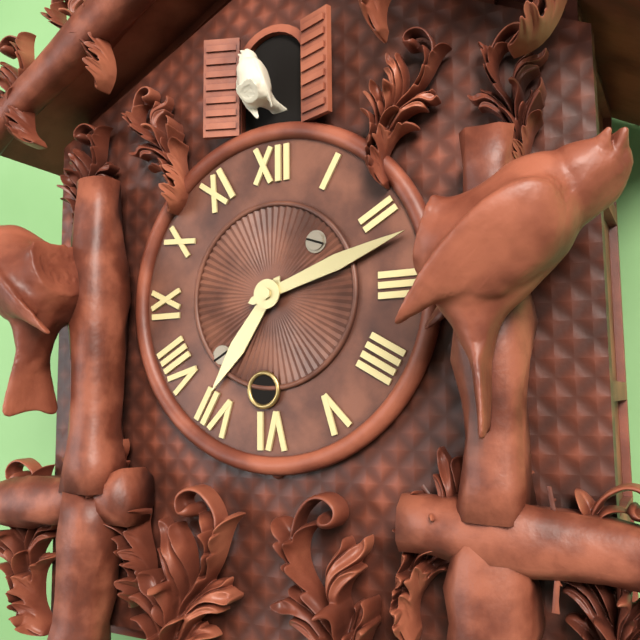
7:12
